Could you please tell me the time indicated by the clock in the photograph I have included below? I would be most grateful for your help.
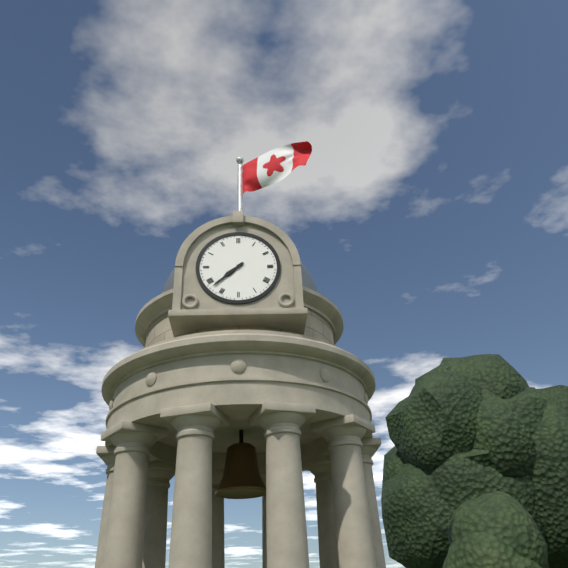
7:38
